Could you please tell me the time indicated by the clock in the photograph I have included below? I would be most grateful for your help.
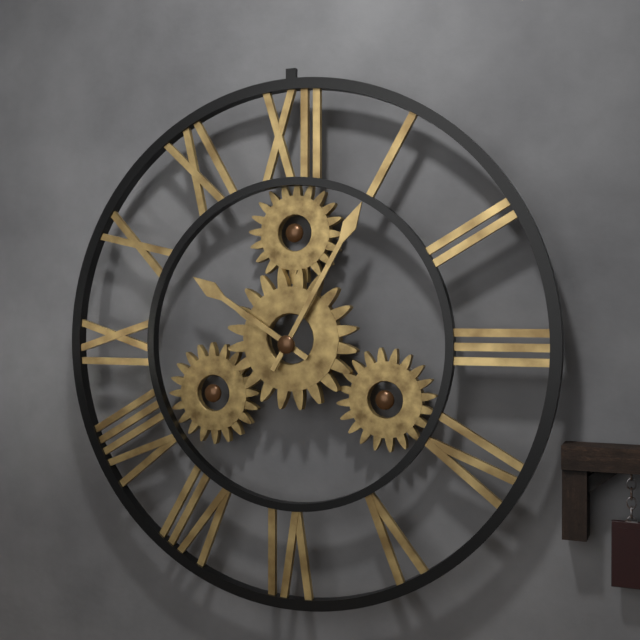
10:05
